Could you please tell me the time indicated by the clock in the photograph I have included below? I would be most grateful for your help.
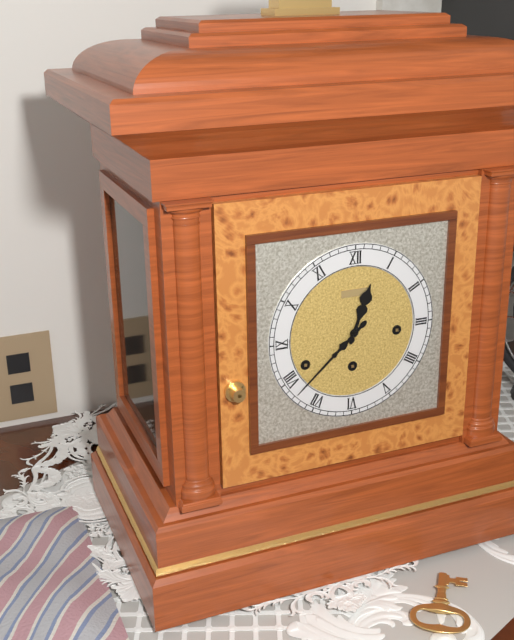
12:38
